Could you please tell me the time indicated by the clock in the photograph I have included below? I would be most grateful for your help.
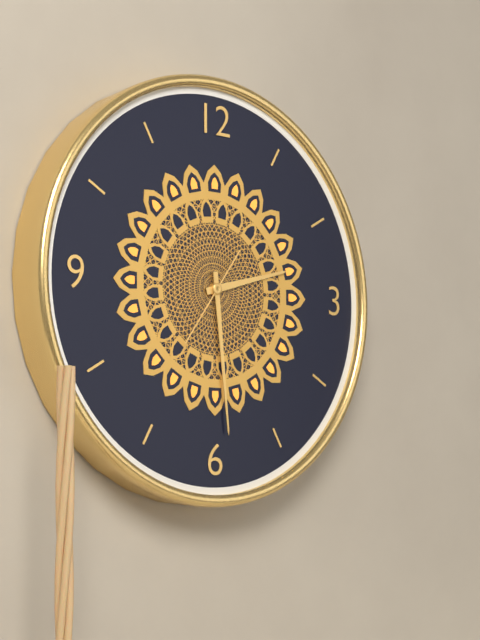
2:29:36
